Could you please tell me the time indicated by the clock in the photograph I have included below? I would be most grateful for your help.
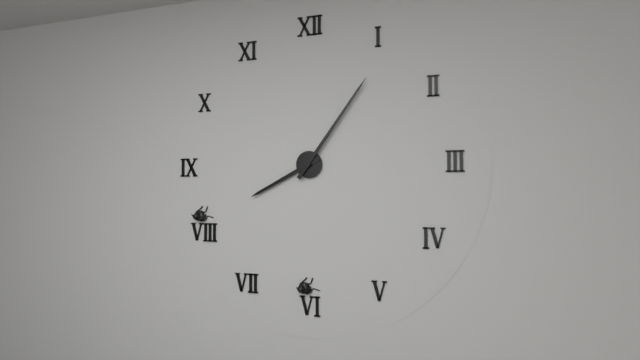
8:06
